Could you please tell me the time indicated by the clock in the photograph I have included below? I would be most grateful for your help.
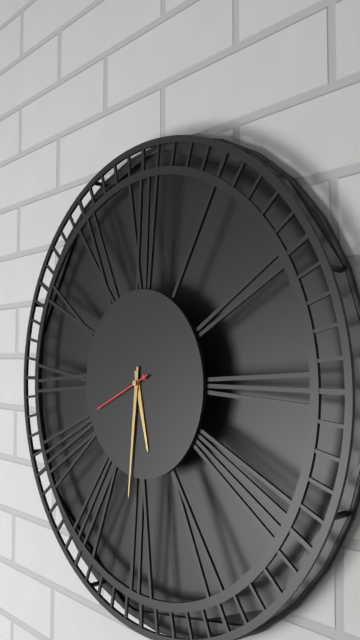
5:31:41
